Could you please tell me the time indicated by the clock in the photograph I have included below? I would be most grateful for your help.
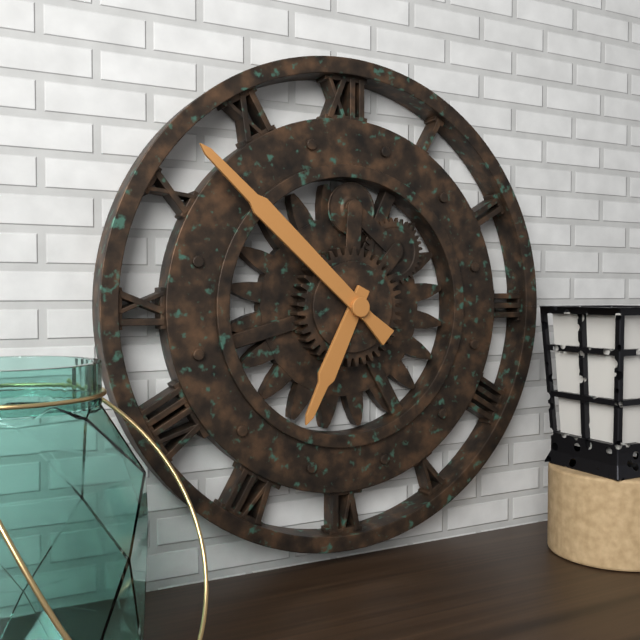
6:52
